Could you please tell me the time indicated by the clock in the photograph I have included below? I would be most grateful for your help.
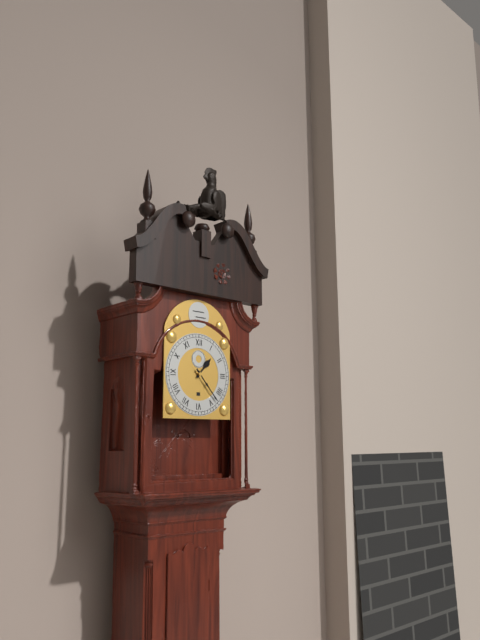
1:23
